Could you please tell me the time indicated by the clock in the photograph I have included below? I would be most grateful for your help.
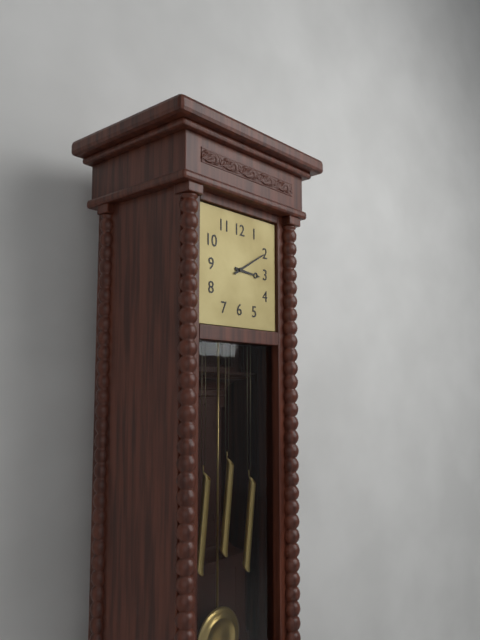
3:10
